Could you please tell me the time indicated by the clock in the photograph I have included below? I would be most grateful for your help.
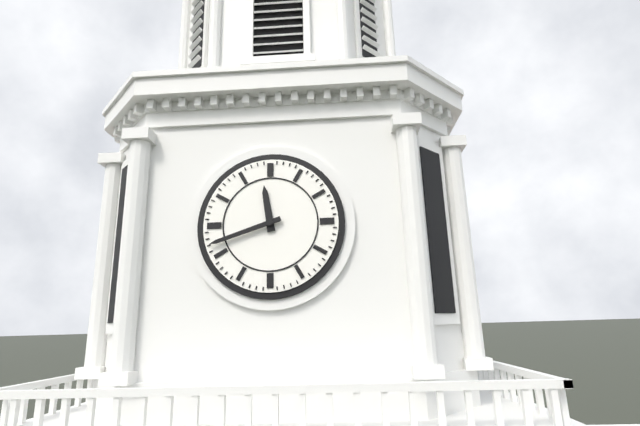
11:42
